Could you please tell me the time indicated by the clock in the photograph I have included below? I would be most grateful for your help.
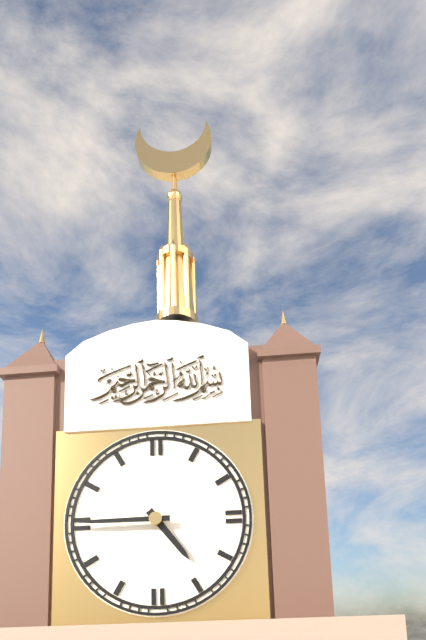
4:45
